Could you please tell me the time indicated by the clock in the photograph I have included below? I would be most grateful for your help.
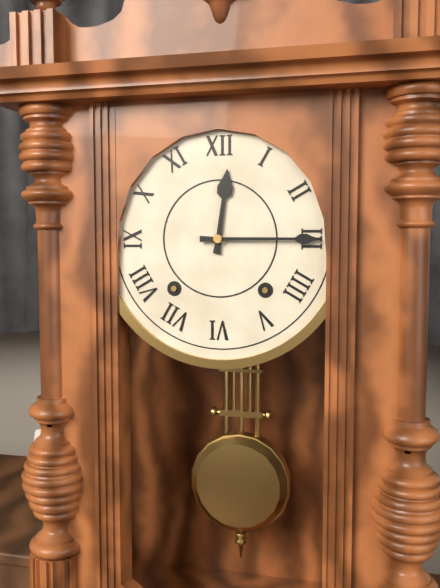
12:15
